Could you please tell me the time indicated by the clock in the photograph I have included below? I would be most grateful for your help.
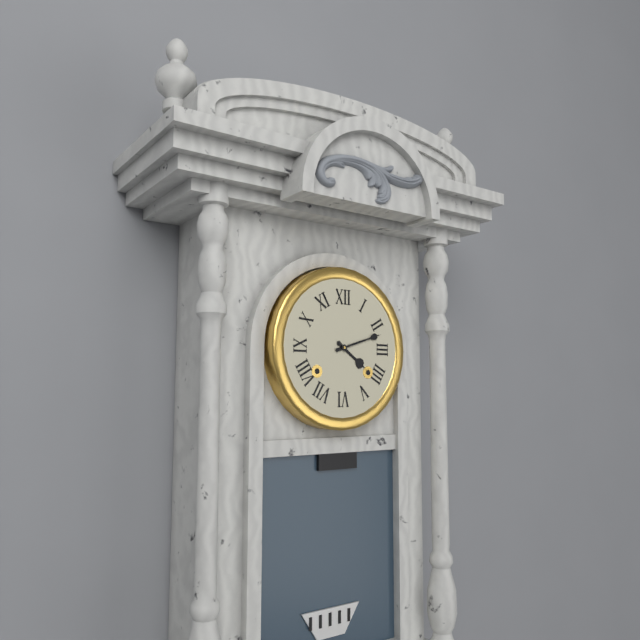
4:12
